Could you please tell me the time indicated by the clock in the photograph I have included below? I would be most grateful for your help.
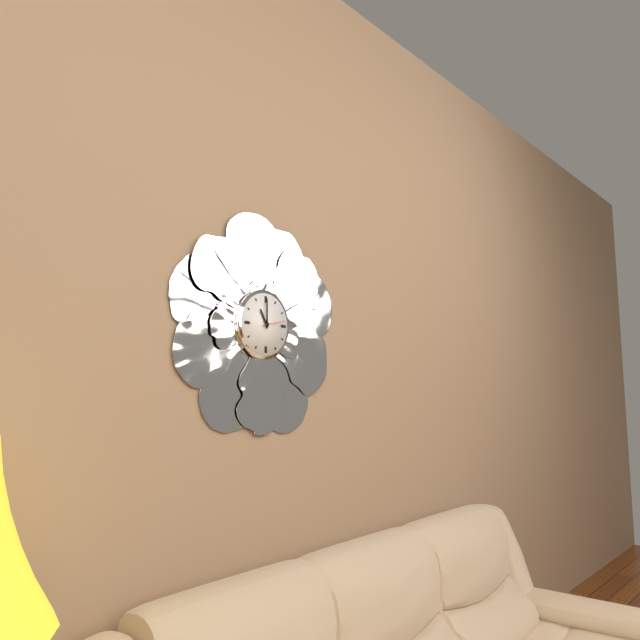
11:00
